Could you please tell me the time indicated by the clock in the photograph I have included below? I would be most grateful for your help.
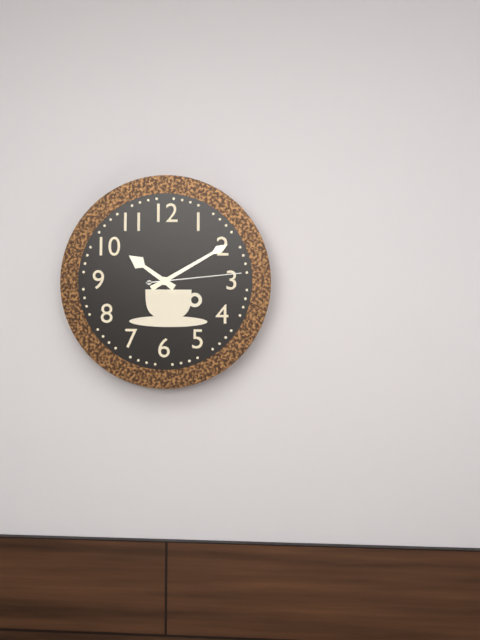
10:10:14
